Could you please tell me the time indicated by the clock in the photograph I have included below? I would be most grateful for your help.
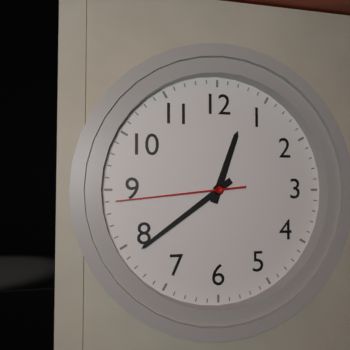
12:39:44
